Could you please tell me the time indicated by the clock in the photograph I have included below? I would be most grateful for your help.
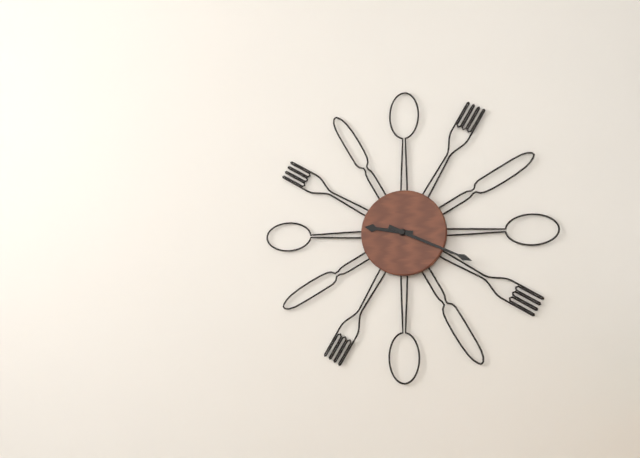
9:19
